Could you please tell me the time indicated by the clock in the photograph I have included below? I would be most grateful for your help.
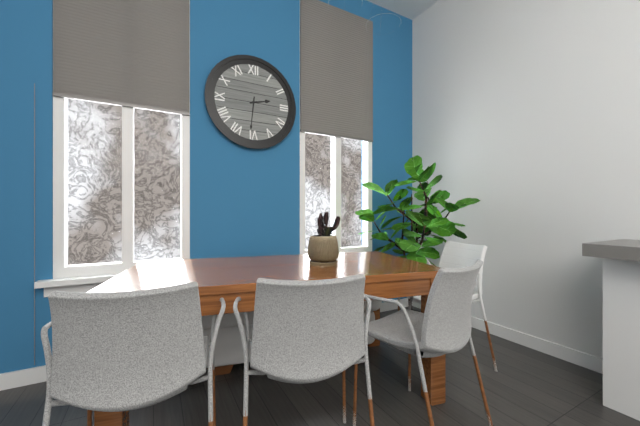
2:31
